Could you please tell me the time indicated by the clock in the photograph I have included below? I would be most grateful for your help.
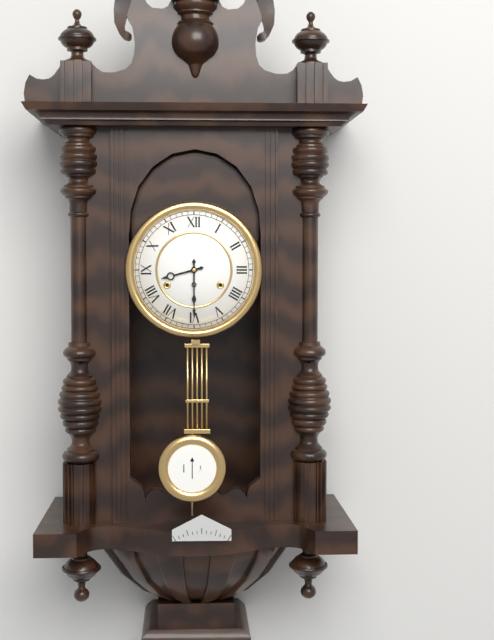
8:30
